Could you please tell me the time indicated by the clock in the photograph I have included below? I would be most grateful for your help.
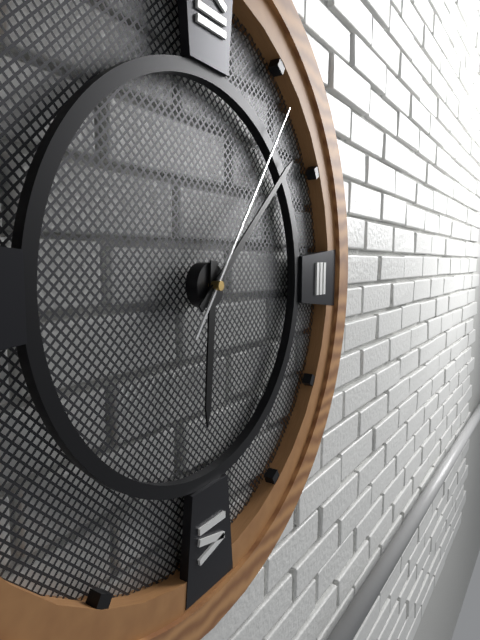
6:08:06
